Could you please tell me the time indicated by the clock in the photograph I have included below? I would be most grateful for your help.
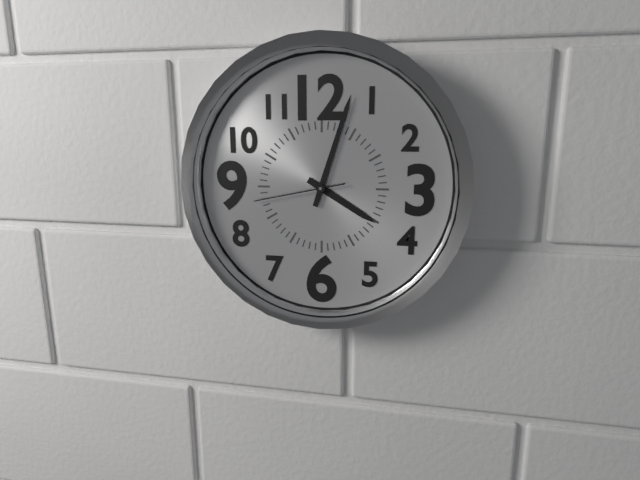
4:03:43
